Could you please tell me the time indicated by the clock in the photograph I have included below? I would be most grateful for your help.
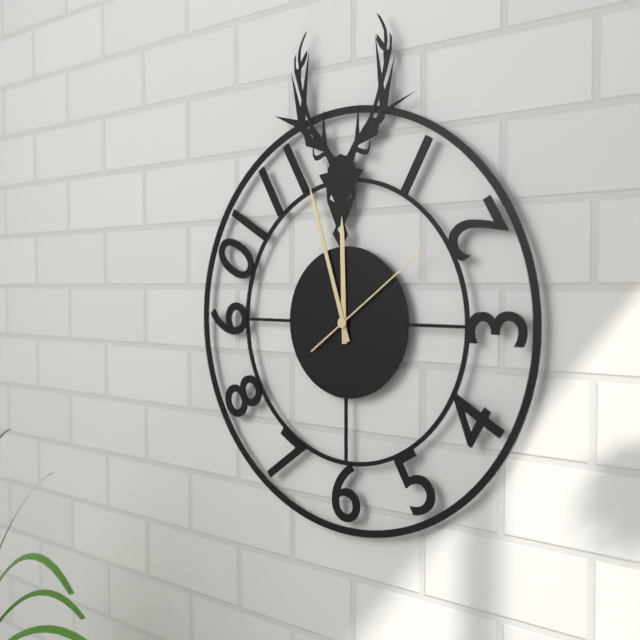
11:57:09
